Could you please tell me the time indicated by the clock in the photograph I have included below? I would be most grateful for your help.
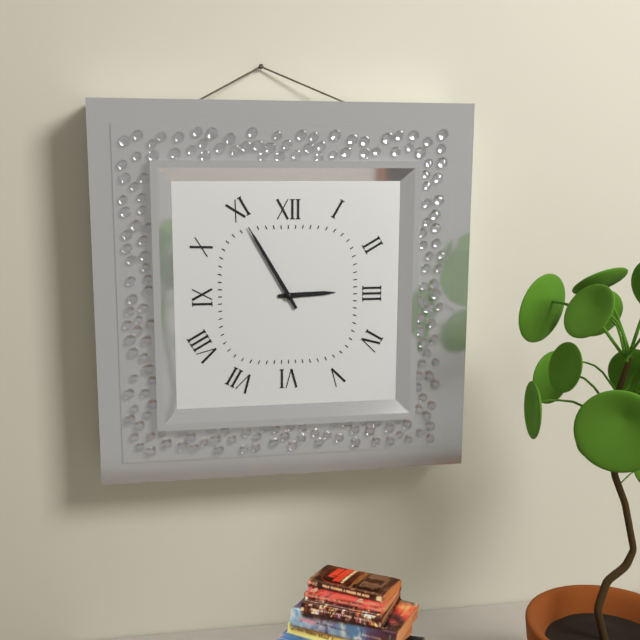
2:55
